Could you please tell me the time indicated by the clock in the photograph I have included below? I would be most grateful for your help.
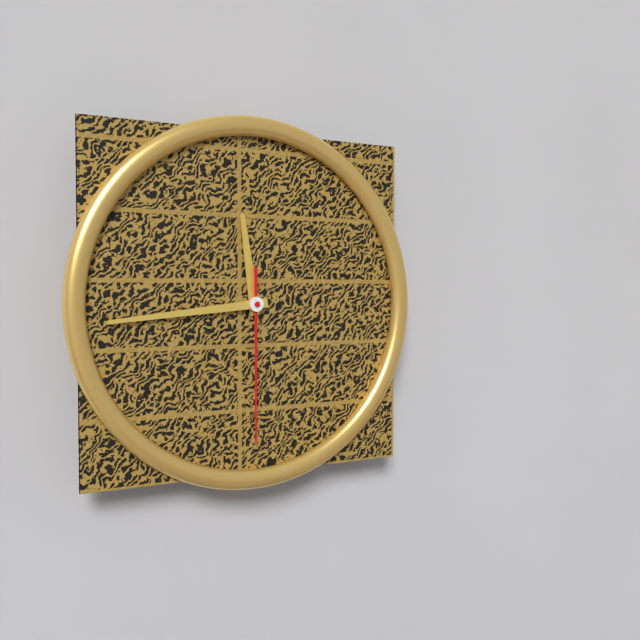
11:44:30
